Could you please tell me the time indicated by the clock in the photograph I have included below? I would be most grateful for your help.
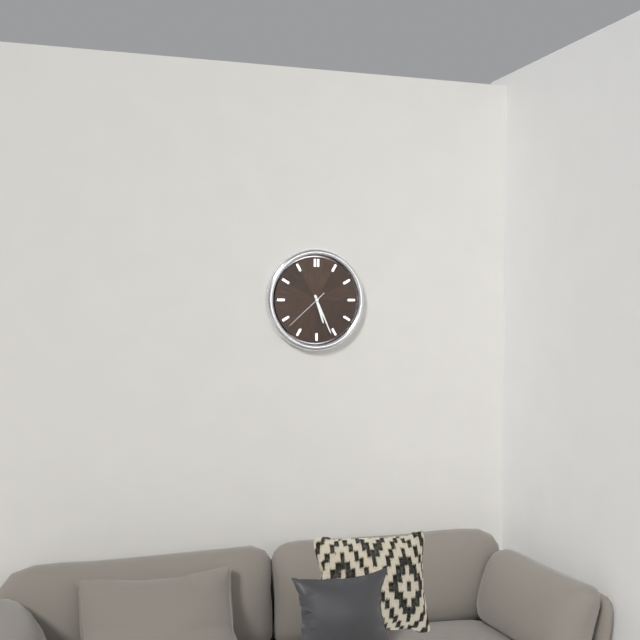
5:26
